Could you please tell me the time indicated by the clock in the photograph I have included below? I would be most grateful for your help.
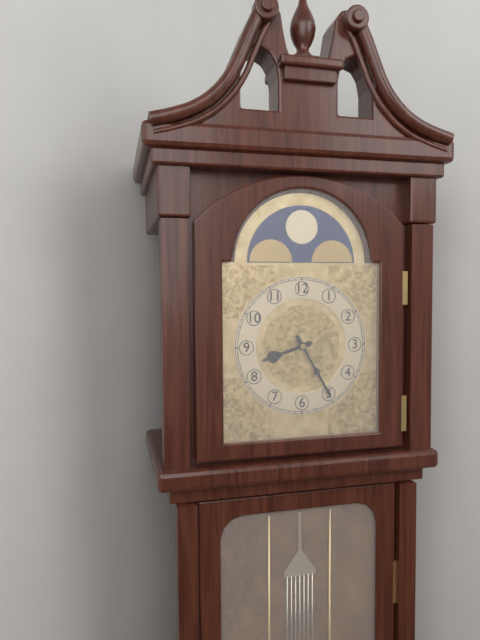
8:25
